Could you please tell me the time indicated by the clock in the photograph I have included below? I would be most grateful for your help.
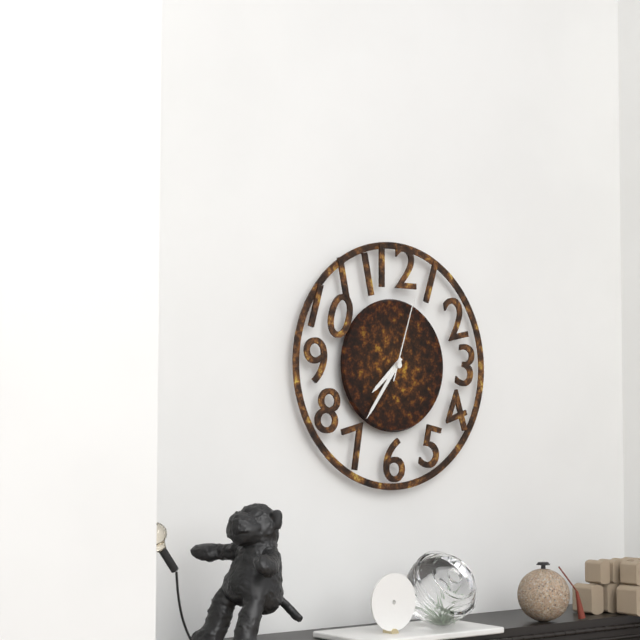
7:36:03
